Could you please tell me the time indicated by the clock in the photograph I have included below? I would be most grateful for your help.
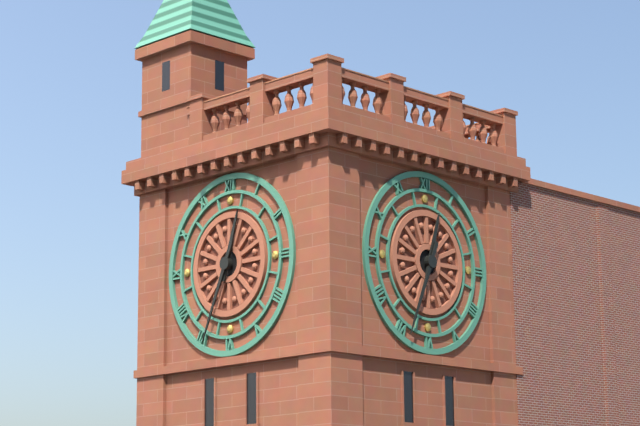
12:34
